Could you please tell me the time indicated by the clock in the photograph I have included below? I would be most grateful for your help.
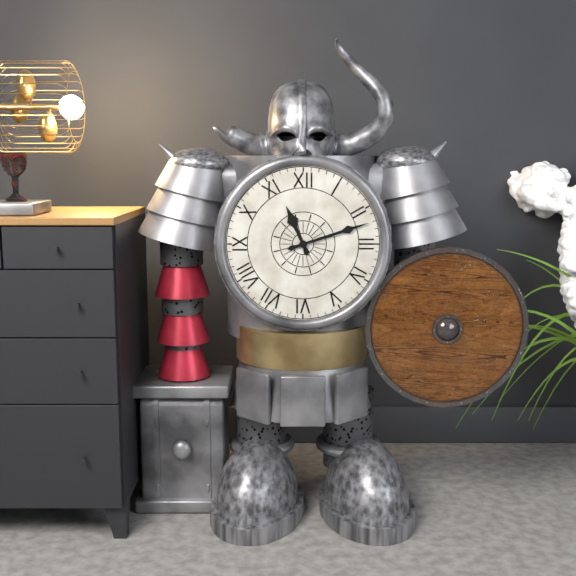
11:12
